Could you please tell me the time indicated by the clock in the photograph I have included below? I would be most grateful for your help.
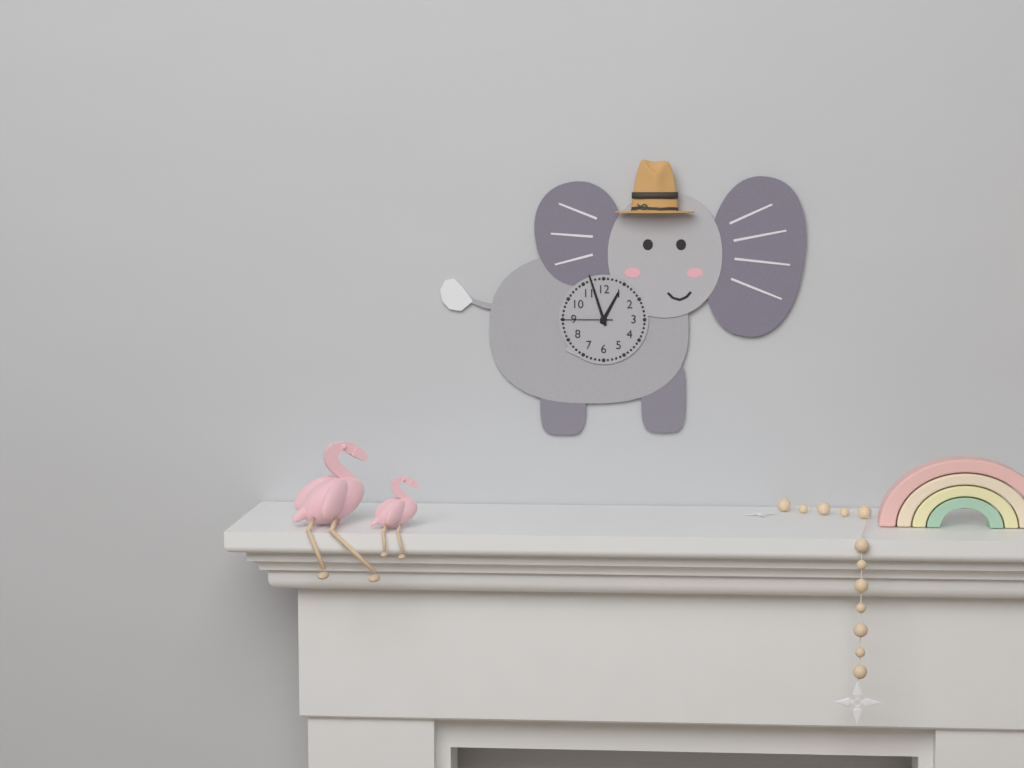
12:57:45
